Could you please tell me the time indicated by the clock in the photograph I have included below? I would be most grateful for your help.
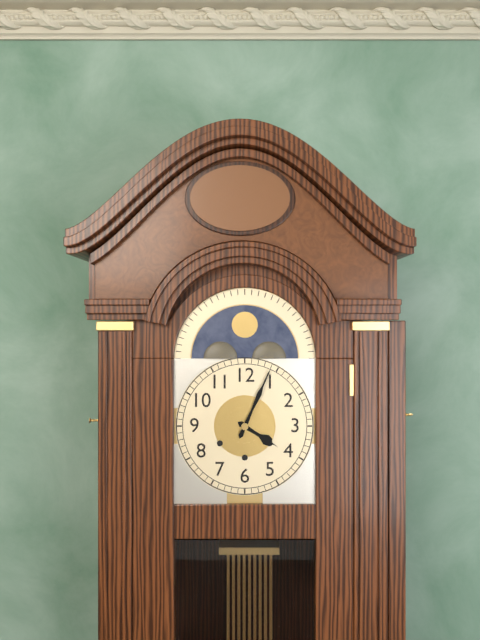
4:04
